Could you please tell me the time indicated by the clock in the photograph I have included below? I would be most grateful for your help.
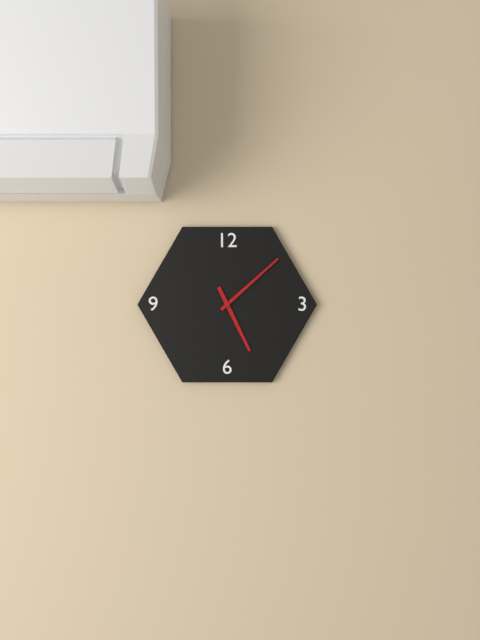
5:08
